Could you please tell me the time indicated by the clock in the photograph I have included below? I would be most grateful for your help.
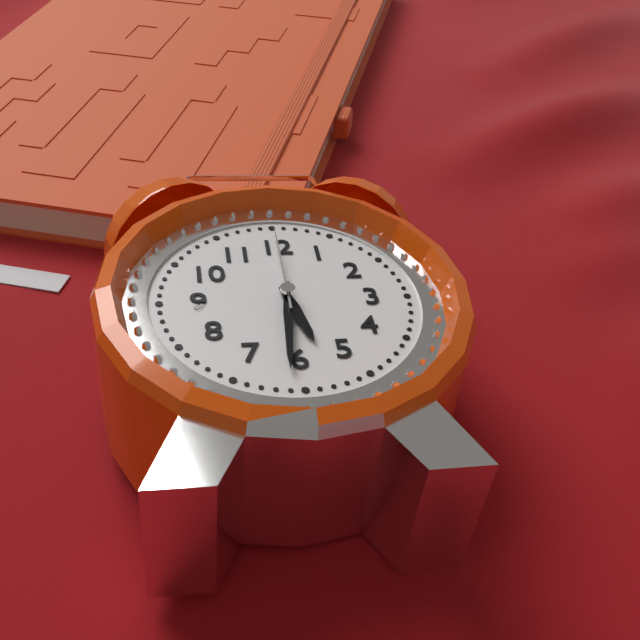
5:31:00
